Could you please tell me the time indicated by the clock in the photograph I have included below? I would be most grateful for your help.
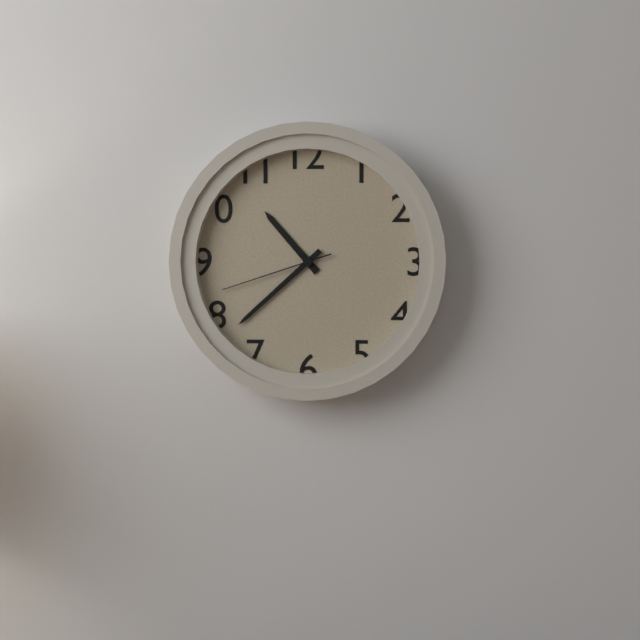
10:38:42
